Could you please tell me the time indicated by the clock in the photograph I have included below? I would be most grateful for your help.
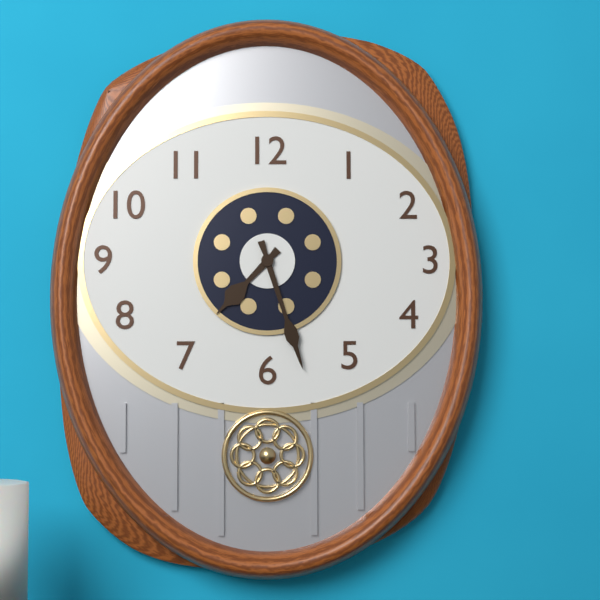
7:27
